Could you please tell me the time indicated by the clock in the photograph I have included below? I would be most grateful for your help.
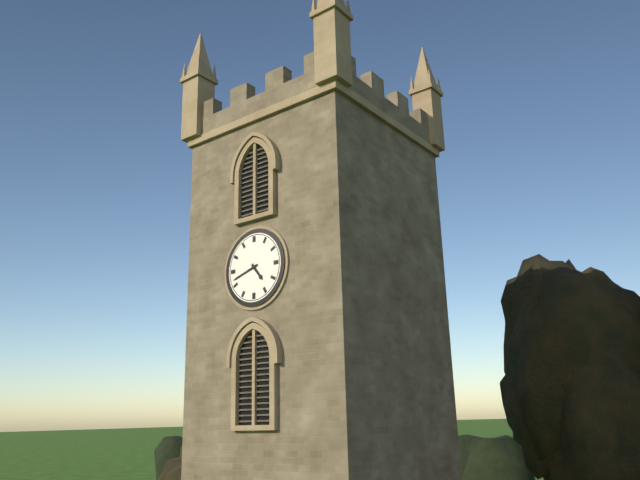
4:42
